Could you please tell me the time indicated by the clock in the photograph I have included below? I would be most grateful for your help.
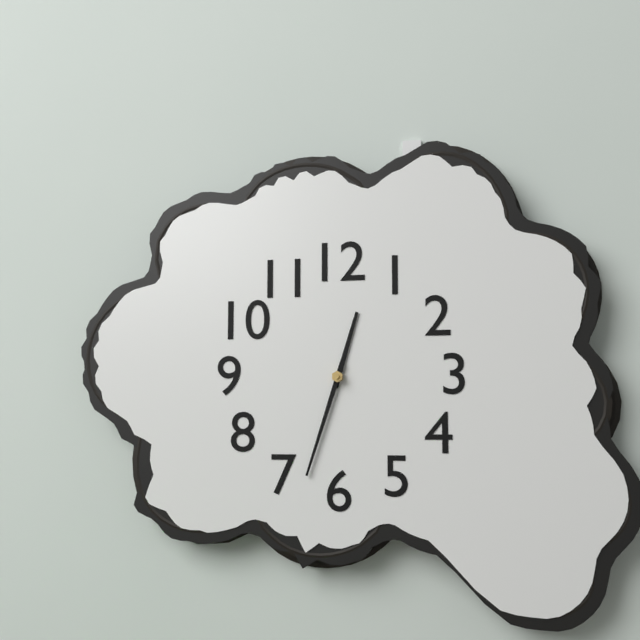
12:33
